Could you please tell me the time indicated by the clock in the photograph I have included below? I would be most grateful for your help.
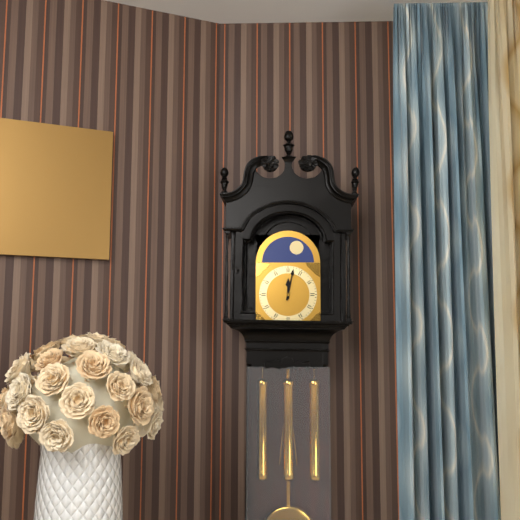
12:02
